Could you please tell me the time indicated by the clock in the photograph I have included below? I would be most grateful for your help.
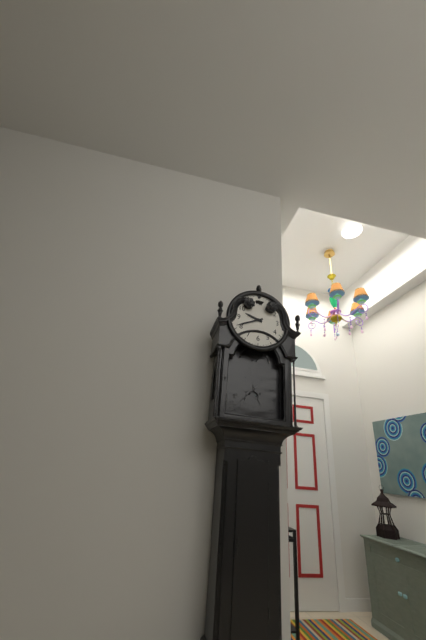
9:41
